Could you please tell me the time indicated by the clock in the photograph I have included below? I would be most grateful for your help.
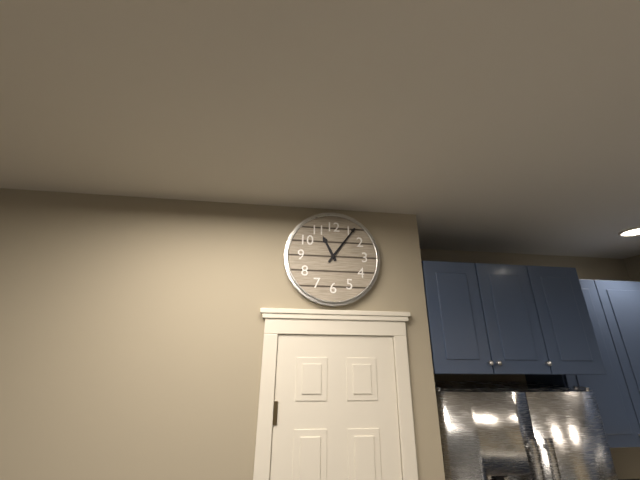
11:06
